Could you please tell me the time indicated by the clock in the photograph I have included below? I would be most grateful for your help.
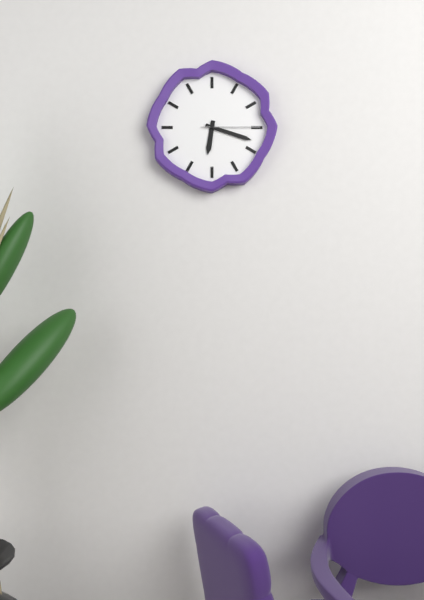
6:18:15
